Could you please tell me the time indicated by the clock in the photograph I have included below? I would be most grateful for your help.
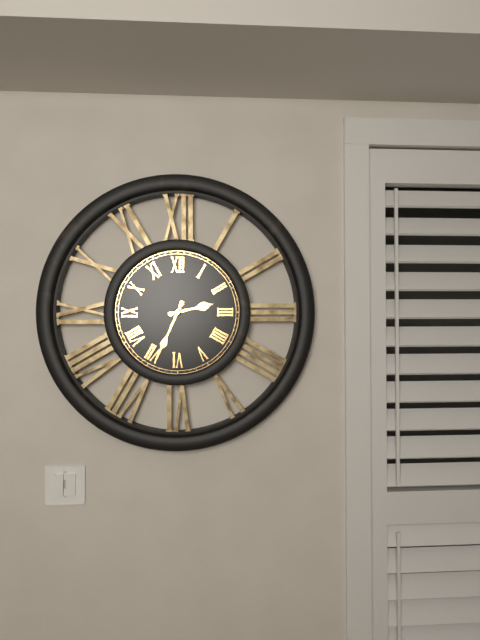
2:34
